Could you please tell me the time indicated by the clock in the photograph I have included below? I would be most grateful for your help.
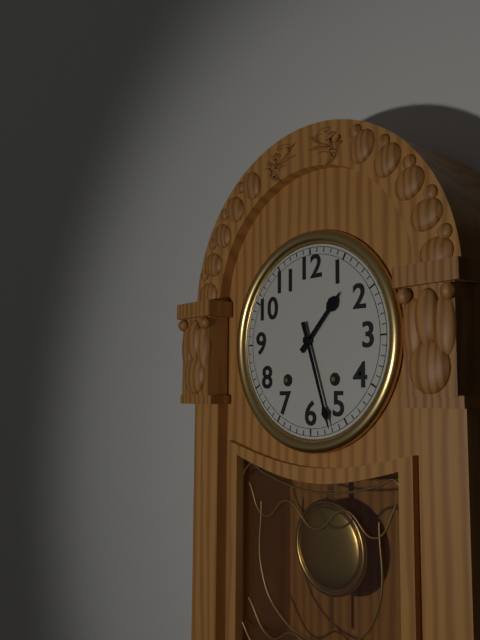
1:27
